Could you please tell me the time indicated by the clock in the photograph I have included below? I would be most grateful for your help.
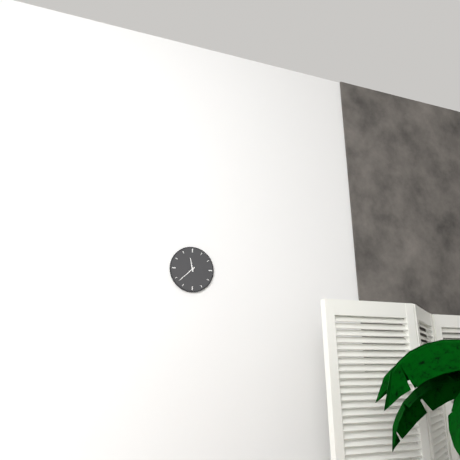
11:38
